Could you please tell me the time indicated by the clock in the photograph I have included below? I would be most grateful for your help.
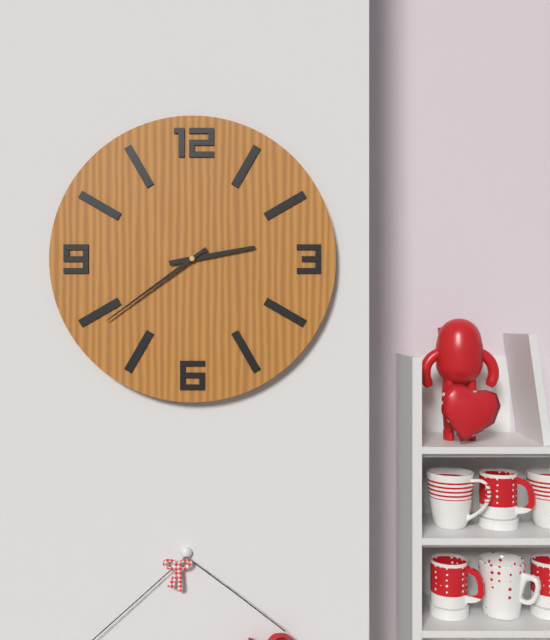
2:39
